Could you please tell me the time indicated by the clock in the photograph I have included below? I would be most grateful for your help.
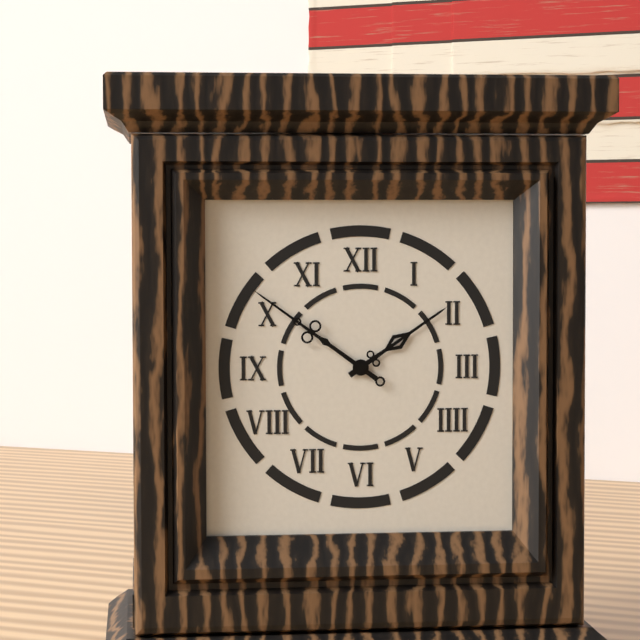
1:51
